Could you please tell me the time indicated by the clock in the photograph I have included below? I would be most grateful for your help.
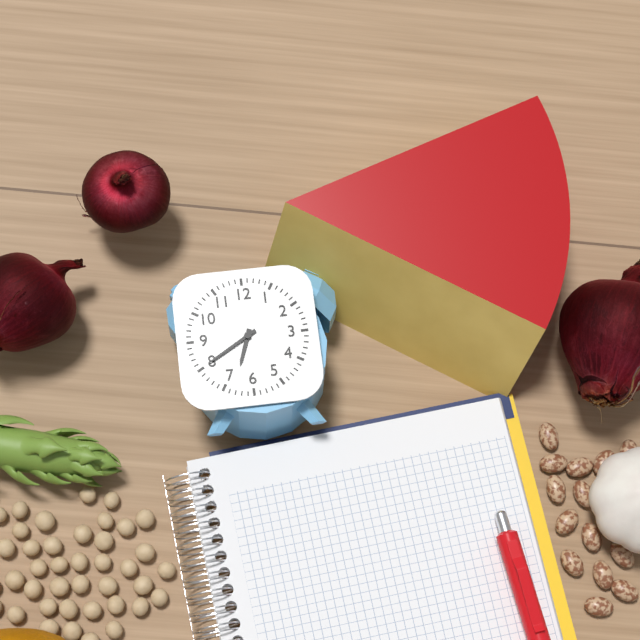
6:40
